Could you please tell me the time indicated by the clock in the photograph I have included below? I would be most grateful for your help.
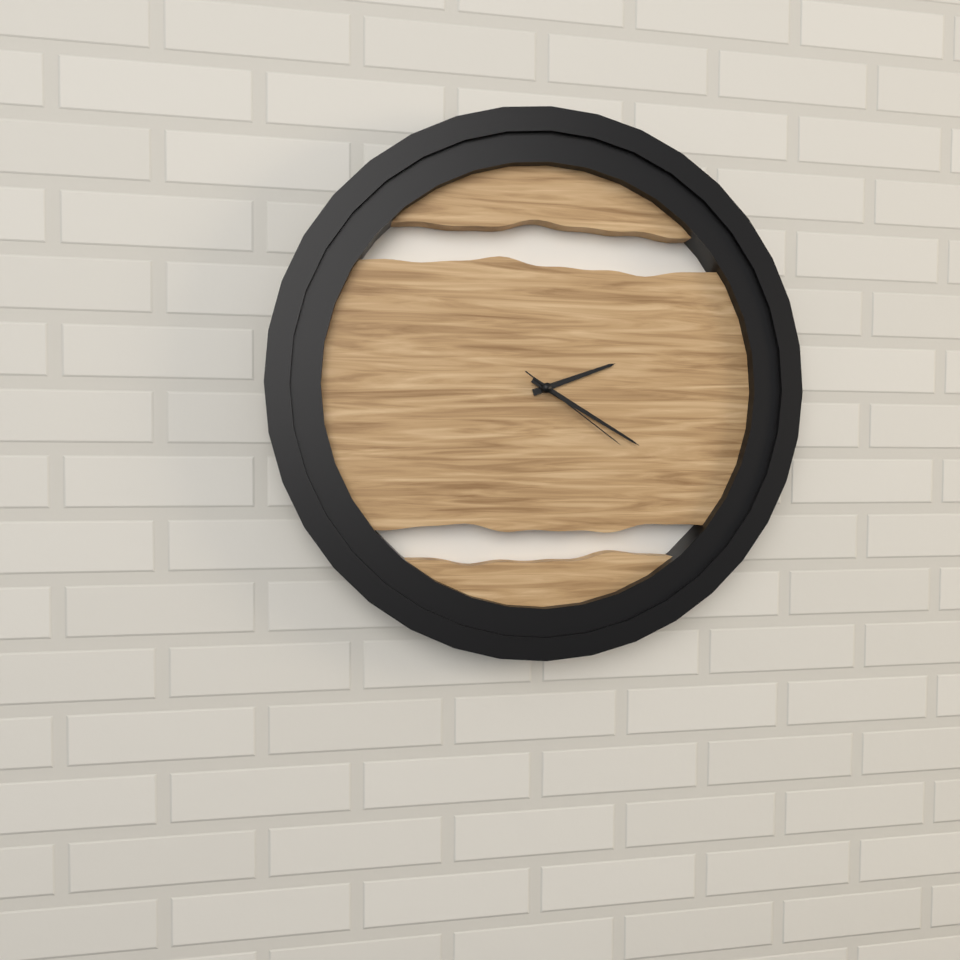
2:20:21
